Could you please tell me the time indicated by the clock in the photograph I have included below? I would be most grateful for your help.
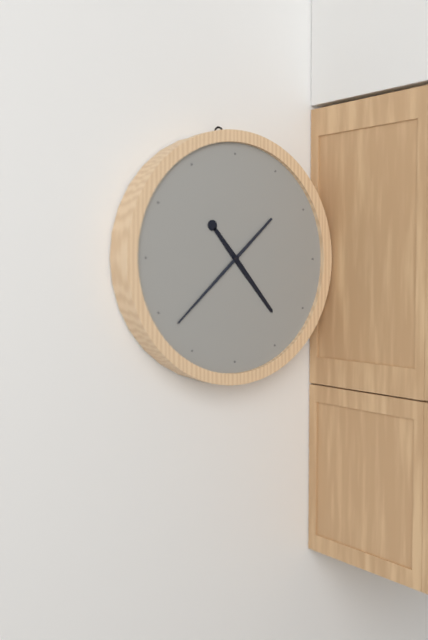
4:38
